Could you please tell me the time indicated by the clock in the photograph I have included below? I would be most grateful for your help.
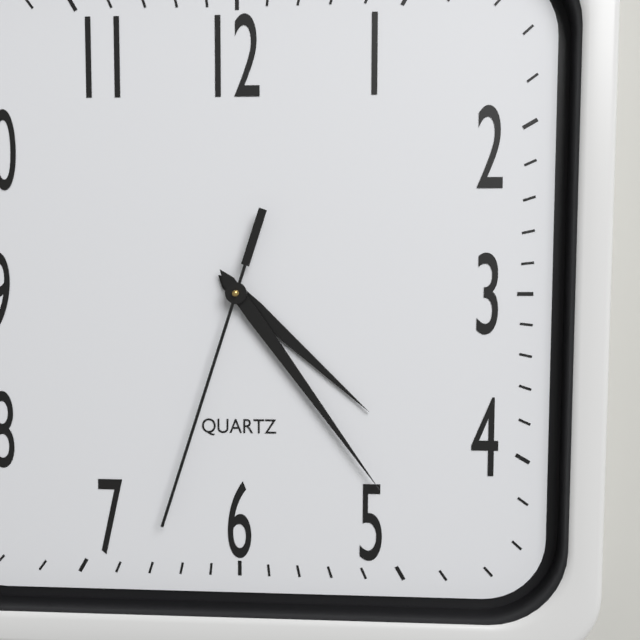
4:24:33
